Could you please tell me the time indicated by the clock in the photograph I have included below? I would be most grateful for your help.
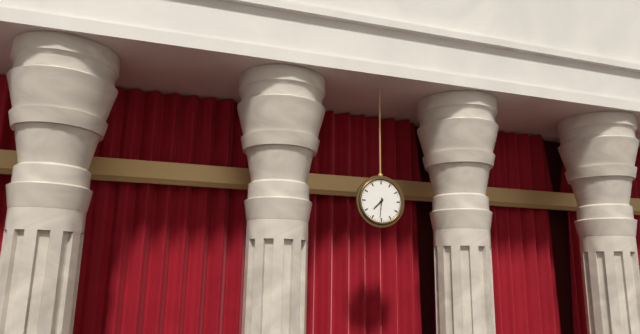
7:31
